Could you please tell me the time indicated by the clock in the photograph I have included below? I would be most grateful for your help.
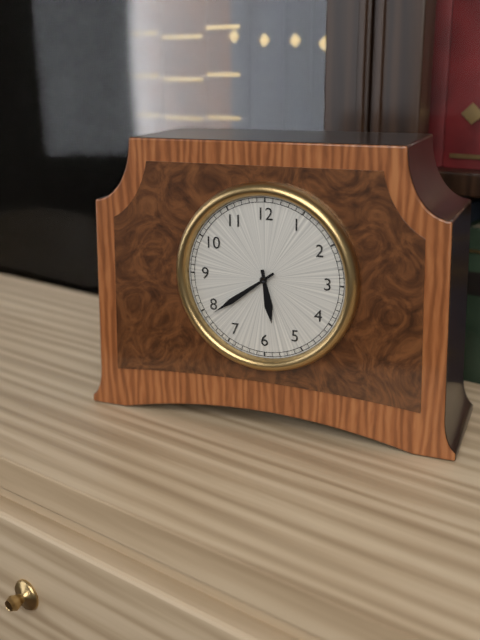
5:39
